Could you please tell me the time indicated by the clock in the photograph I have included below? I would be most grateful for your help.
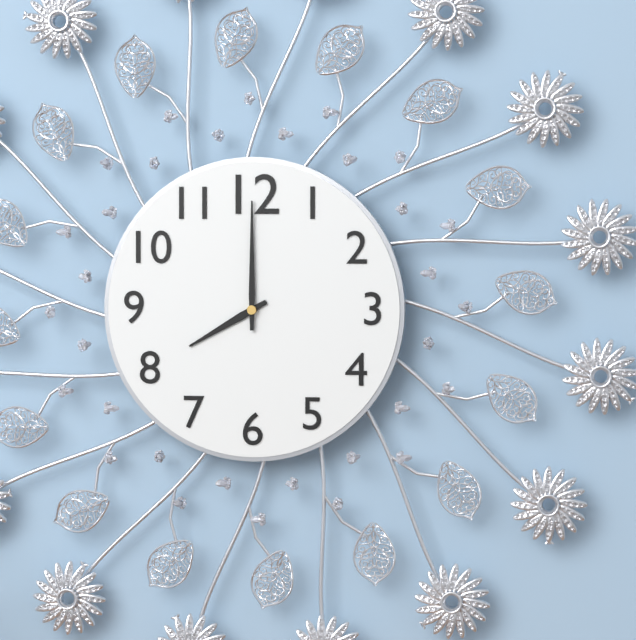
8:00
